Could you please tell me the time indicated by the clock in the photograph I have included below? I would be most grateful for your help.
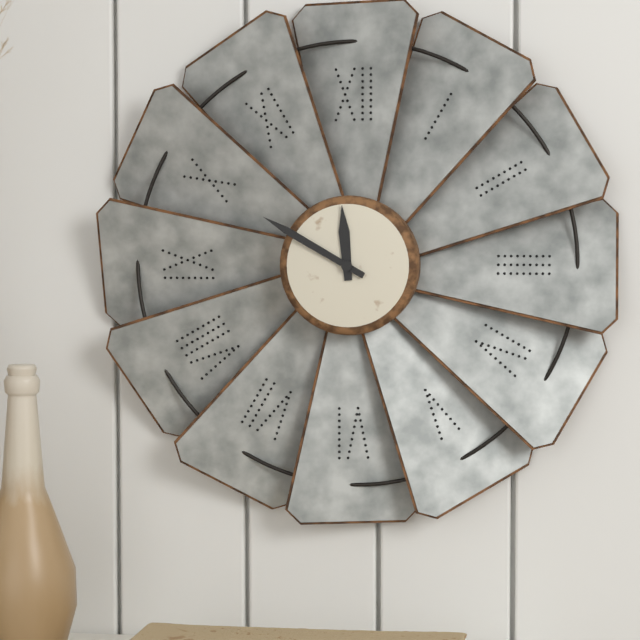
11:50
